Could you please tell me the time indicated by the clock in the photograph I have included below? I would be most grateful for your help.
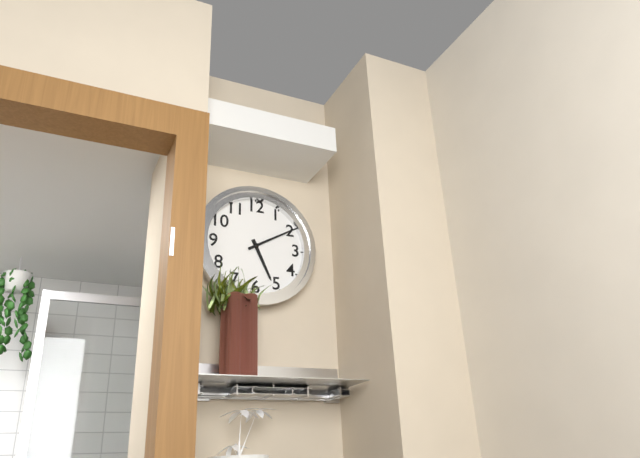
5:10
